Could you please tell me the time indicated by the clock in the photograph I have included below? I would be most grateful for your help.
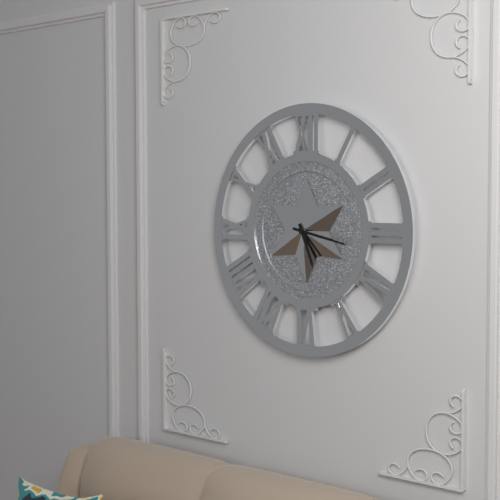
5:17
